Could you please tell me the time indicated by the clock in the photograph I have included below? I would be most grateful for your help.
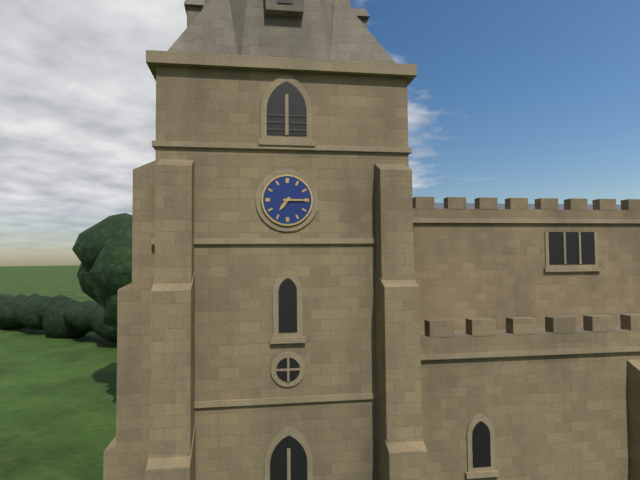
7:15
